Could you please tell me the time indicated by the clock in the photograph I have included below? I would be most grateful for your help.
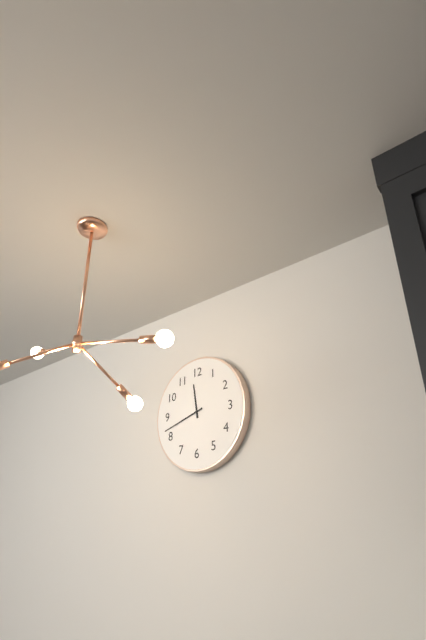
11:42
